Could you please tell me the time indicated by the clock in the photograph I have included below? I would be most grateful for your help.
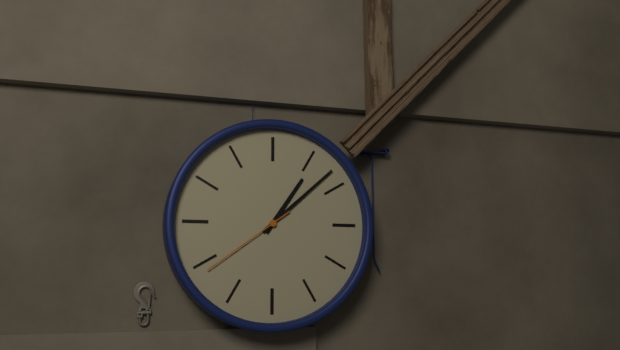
1:08:39
